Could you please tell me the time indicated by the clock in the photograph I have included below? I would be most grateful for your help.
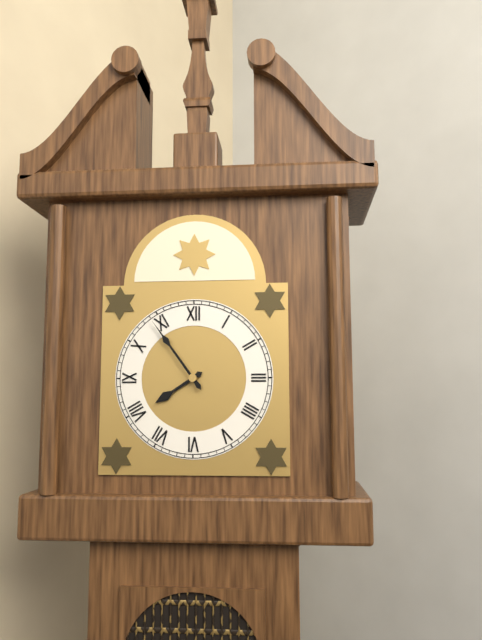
7:54
